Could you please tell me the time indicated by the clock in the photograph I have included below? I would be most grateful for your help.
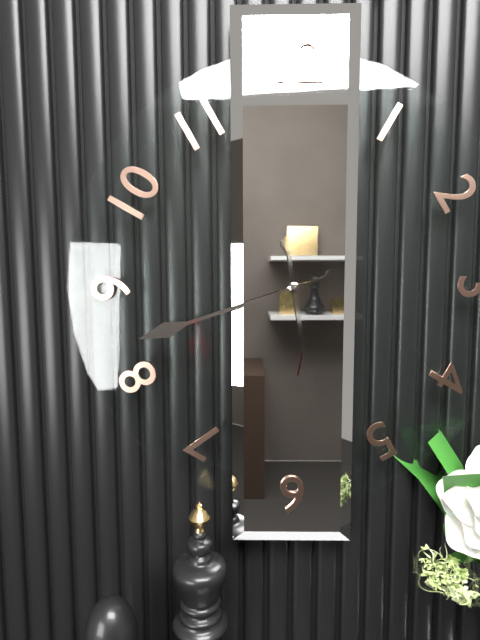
5:42
